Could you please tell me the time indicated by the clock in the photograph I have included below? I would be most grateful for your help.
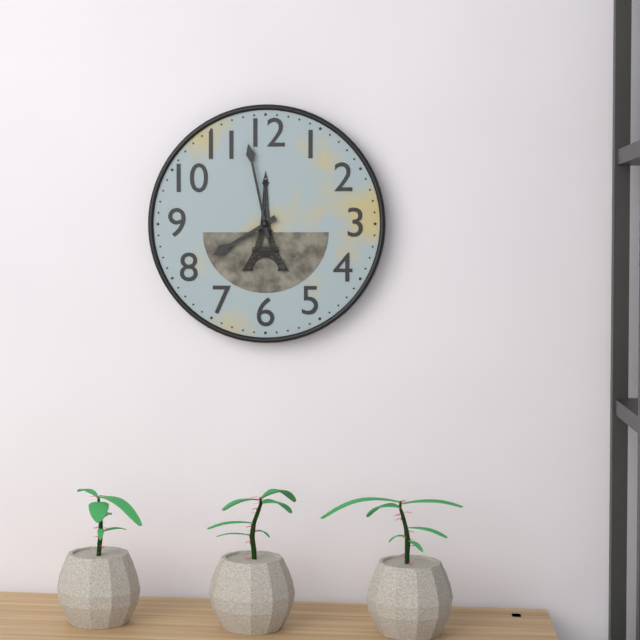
7:58
